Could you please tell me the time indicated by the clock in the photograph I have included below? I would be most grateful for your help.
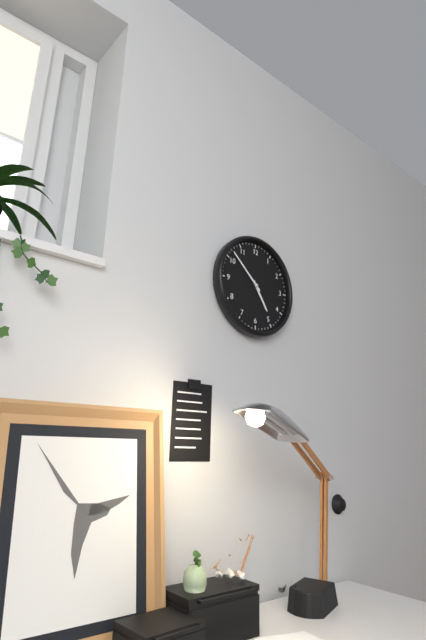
4:52
